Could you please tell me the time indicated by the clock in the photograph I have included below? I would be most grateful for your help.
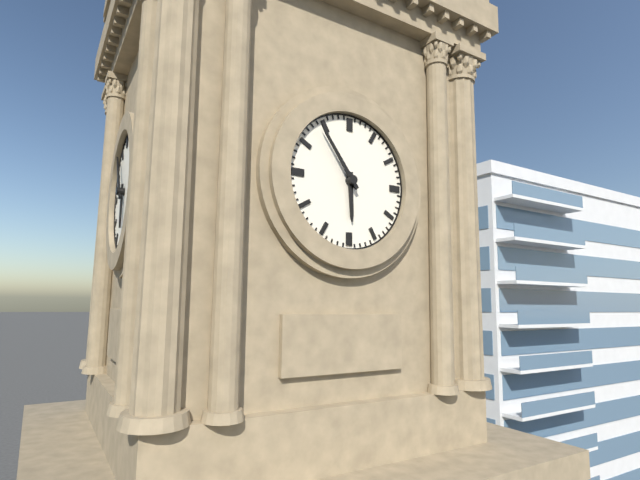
5:54
